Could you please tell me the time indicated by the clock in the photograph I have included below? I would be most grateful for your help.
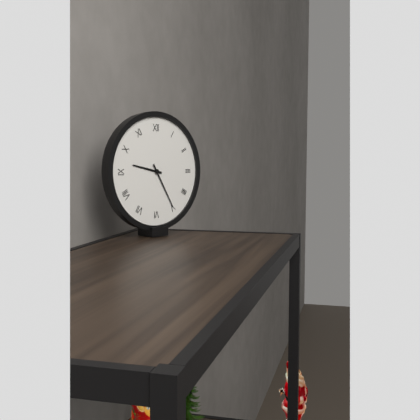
9:25
